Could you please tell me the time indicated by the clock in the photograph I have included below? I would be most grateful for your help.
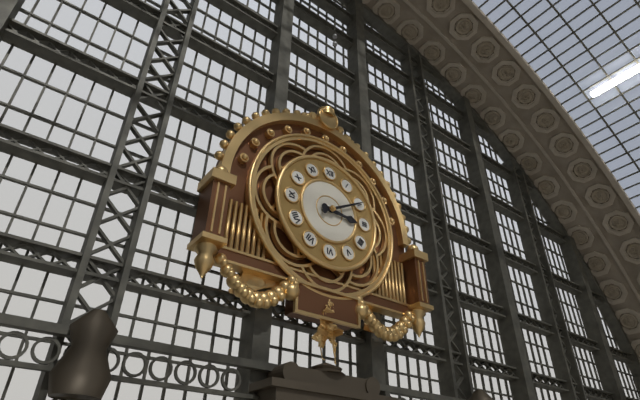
3:10
